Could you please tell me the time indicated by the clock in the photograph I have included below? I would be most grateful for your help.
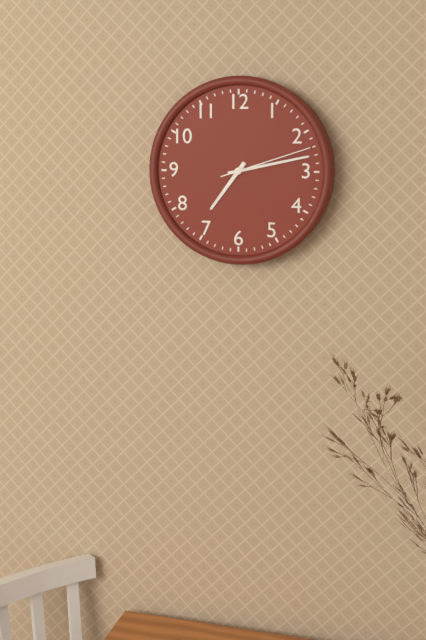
7:13:12
